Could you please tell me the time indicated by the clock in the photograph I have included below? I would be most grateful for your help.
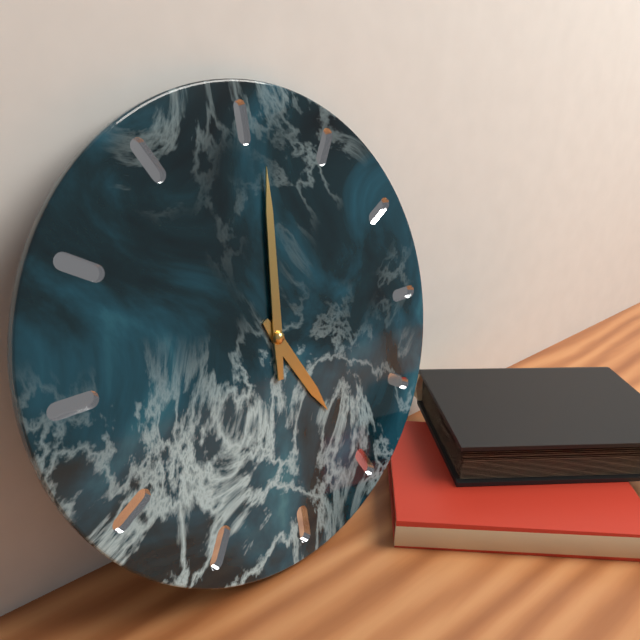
5:01
